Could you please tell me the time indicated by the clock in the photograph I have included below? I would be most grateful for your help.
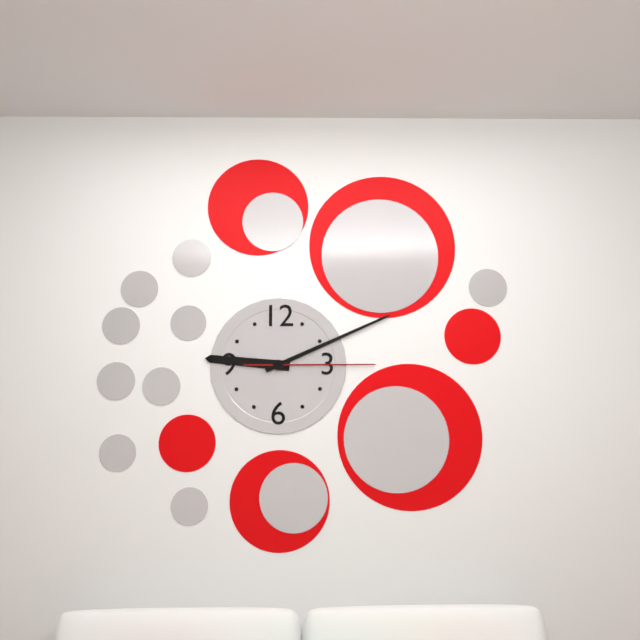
9:11:15
